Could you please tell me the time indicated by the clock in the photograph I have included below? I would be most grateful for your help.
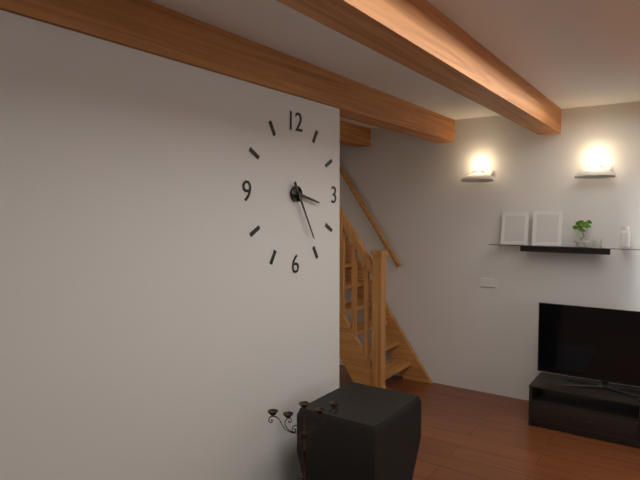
3:25
